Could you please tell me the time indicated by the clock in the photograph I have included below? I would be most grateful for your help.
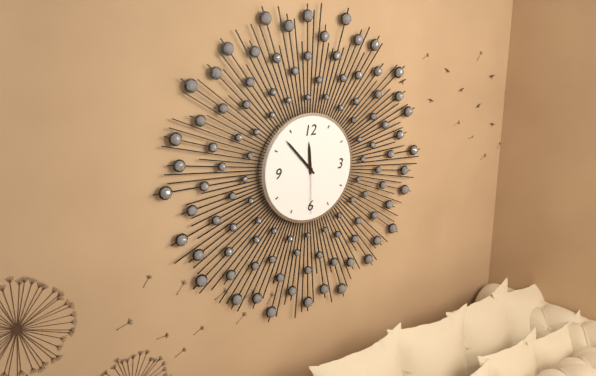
11:53:30
